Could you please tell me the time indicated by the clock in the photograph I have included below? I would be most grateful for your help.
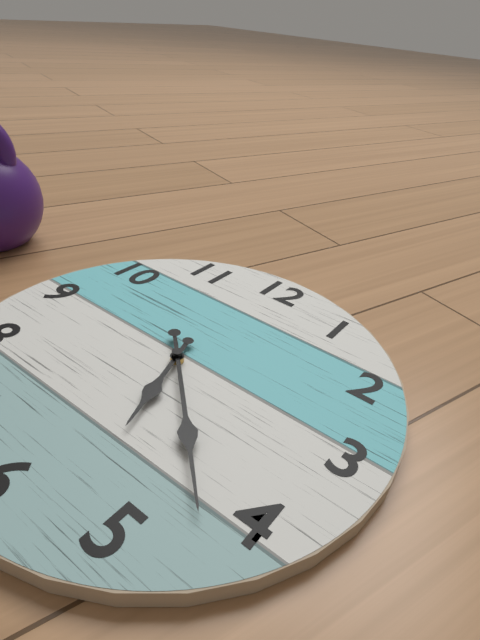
5:22
